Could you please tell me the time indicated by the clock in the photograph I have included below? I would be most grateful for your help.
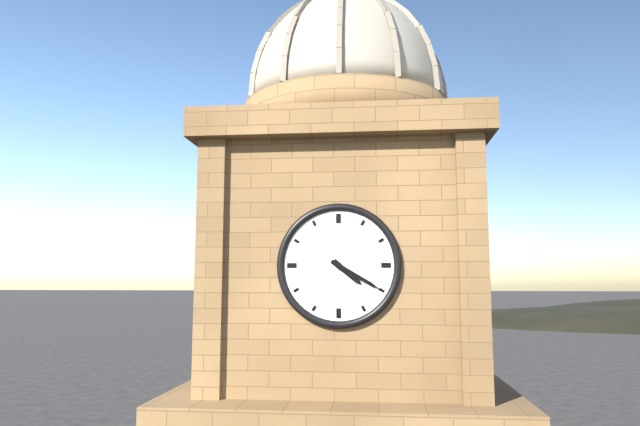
4:20
